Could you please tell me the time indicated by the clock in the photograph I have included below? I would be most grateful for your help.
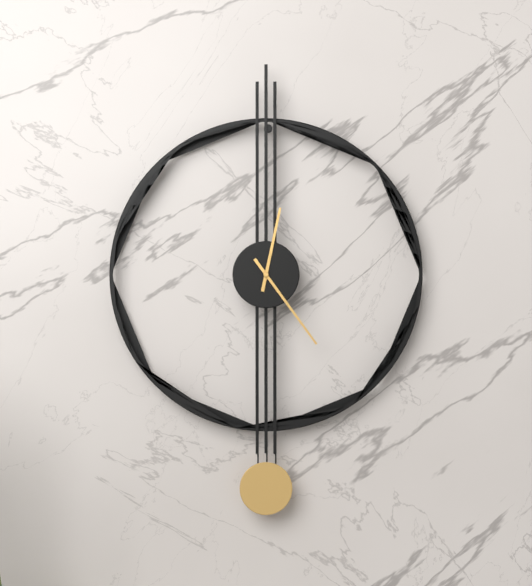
12:24
